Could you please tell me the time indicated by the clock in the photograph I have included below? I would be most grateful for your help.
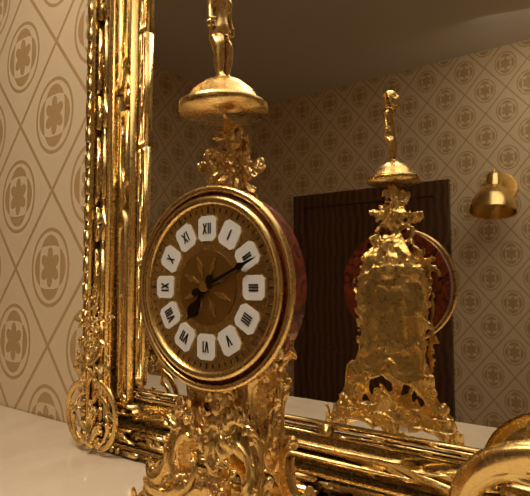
7:11
